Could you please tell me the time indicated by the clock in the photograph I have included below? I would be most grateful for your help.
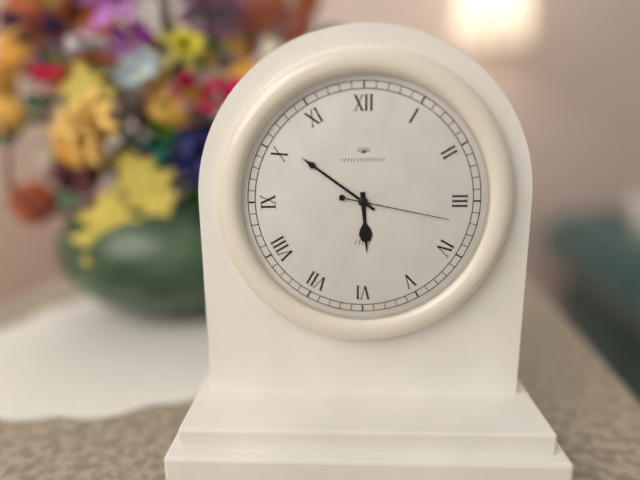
5:51:17
